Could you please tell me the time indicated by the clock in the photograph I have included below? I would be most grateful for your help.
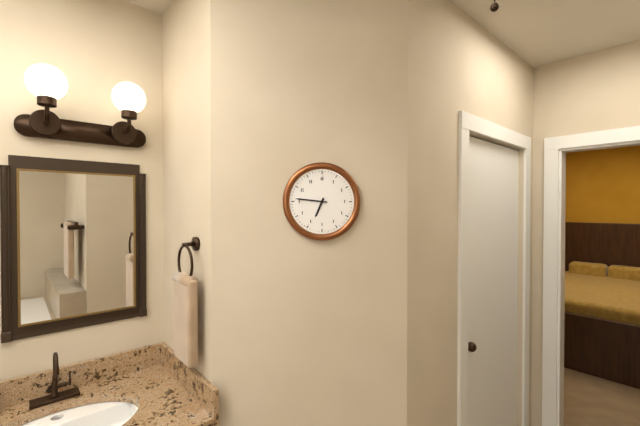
6:46
